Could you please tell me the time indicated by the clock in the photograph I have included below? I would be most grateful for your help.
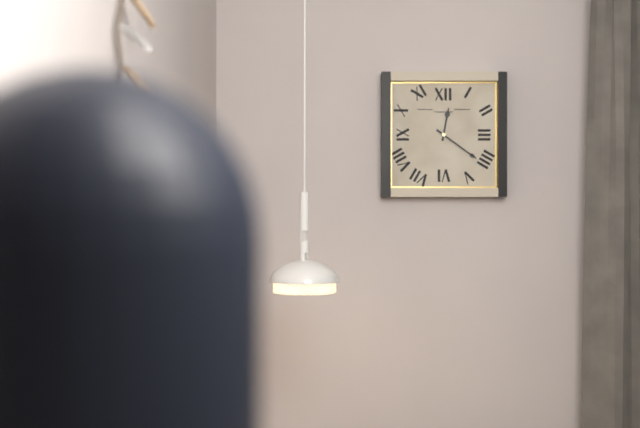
12:21
